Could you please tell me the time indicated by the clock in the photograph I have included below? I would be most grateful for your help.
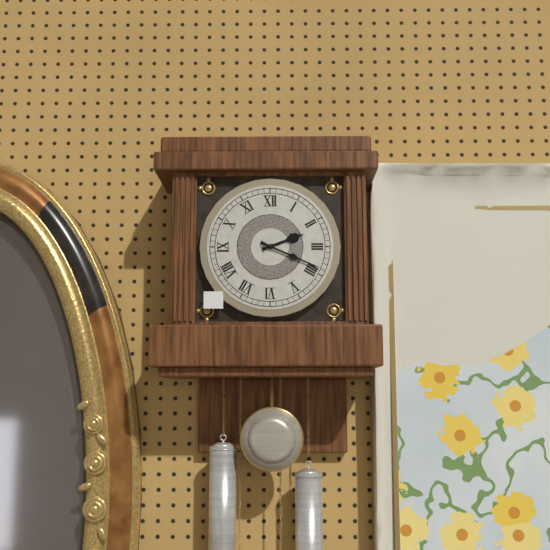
2:19
